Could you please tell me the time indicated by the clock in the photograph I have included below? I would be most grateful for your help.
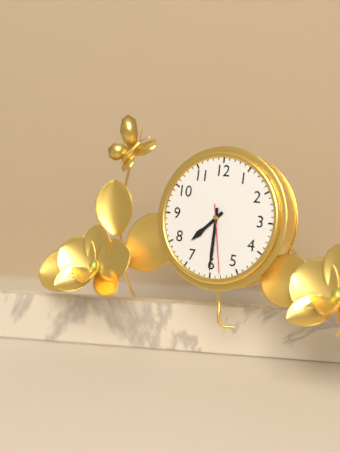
7:30:28
